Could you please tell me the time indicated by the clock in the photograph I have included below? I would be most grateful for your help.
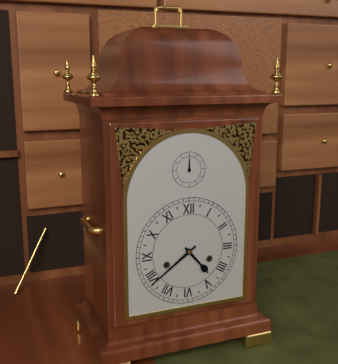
4:39
